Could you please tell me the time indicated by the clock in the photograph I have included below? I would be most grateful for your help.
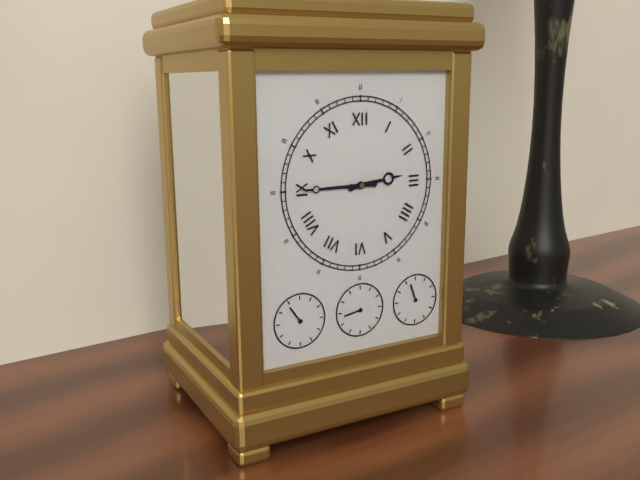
2:45
